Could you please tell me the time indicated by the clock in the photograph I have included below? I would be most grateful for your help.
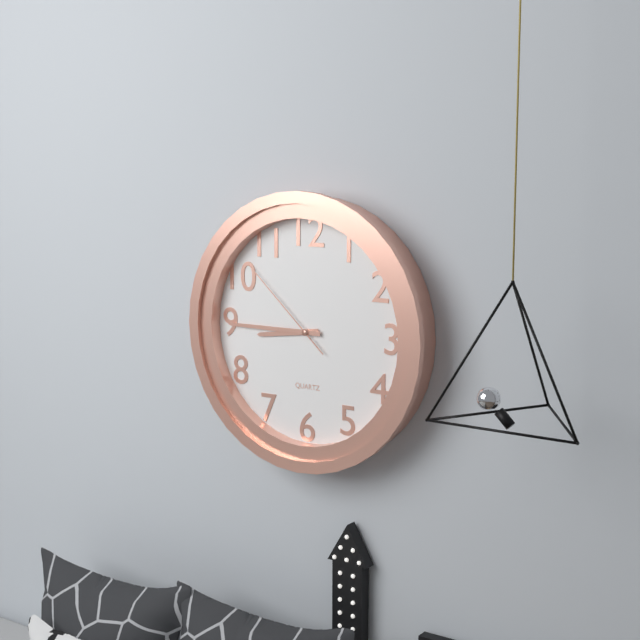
8:45:52
